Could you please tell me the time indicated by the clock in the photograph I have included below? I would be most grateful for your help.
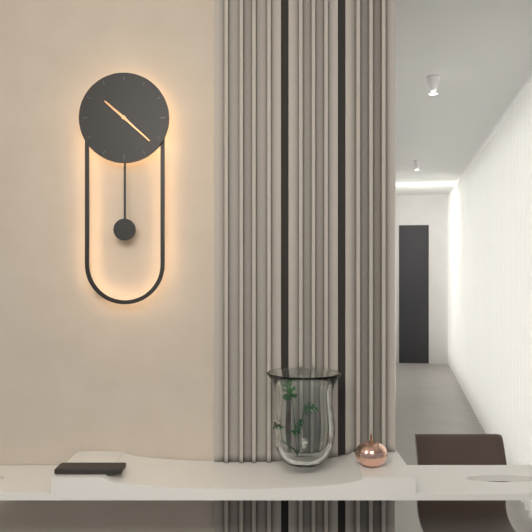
10:22
